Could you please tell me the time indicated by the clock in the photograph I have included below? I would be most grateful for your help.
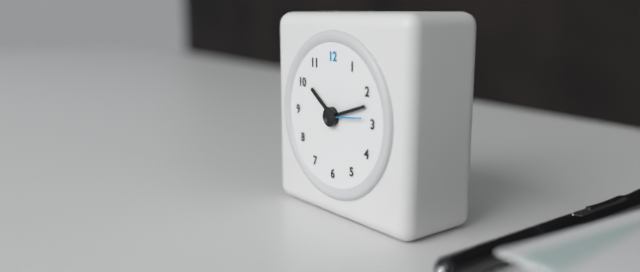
10:12
